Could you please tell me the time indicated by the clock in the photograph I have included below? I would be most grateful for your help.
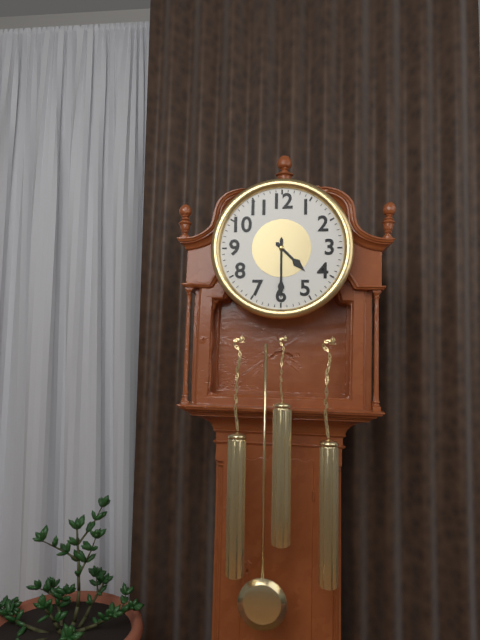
4:30
